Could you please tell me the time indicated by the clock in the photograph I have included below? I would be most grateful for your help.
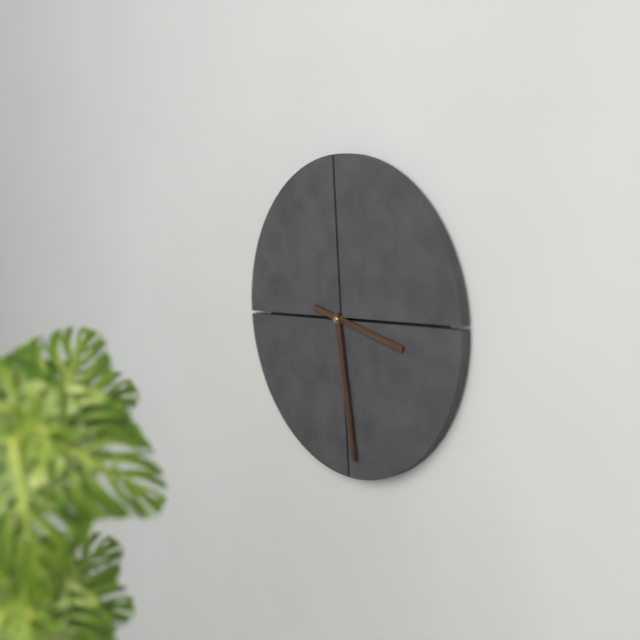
3:29
